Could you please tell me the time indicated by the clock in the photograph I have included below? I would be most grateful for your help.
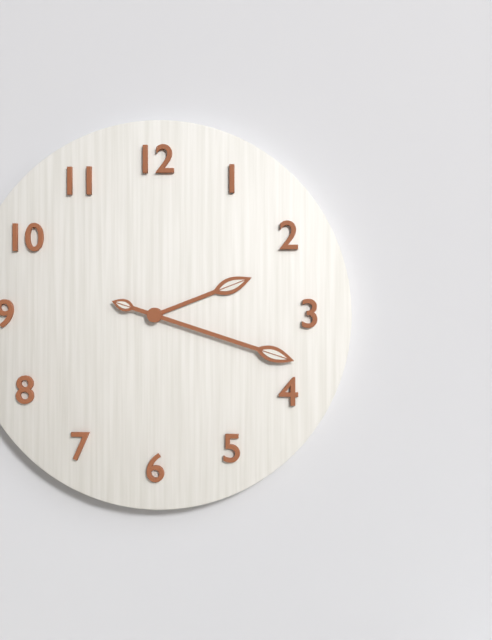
2:18
